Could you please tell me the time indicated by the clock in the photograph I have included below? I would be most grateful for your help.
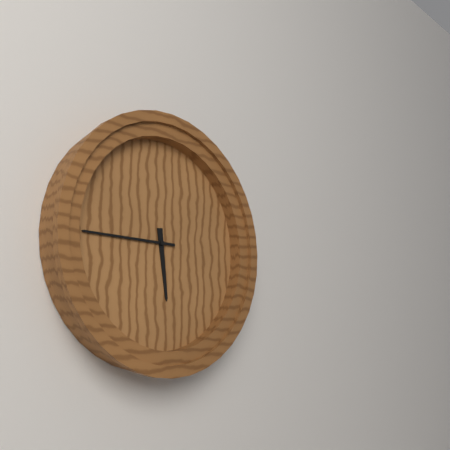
5:45
